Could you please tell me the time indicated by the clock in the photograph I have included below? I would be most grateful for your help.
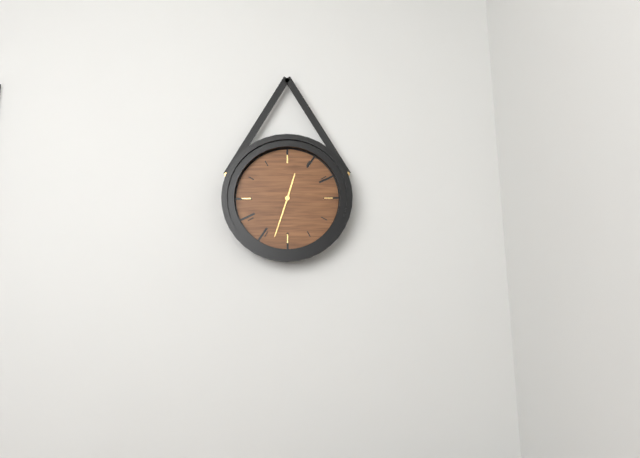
12:33
